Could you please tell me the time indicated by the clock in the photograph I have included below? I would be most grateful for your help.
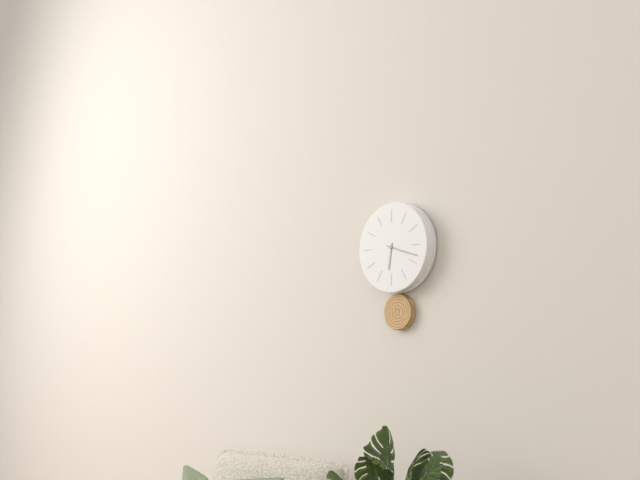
6:18
